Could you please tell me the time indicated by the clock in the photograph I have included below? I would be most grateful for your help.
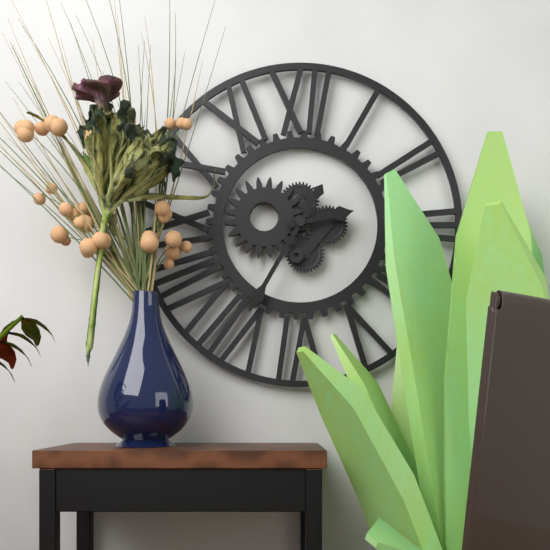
2:35
